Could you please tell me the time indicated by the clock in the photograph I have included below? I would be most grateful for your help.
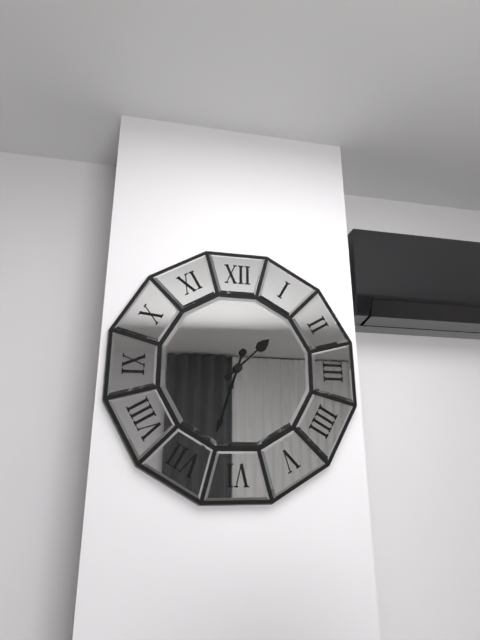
1:33
